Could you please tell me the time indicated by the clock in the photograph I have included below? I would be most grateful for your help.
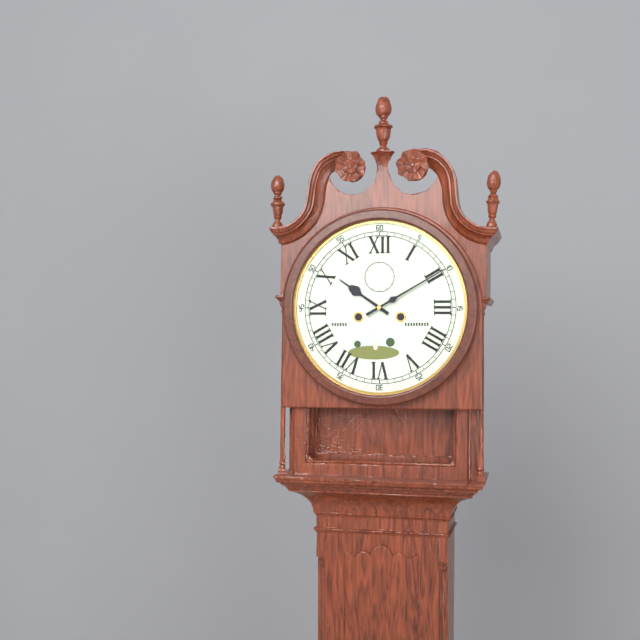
10:10
